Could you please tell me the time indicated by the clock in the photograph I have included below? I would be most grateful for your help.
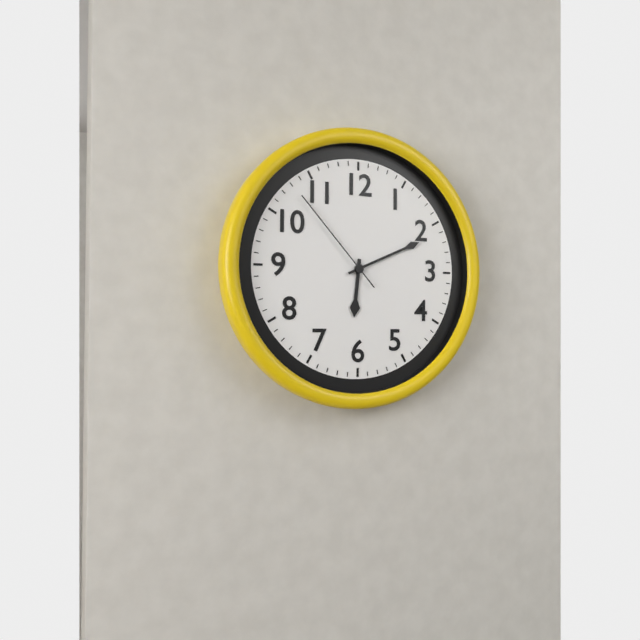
6:11:53
